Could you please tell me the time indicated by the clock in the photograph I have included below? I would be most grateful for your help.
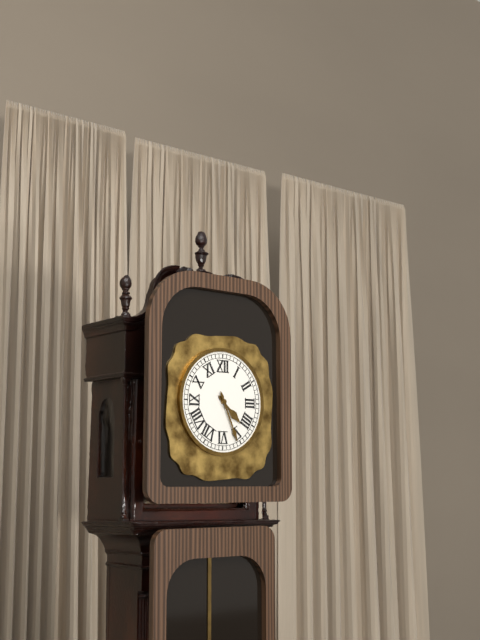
4:26
